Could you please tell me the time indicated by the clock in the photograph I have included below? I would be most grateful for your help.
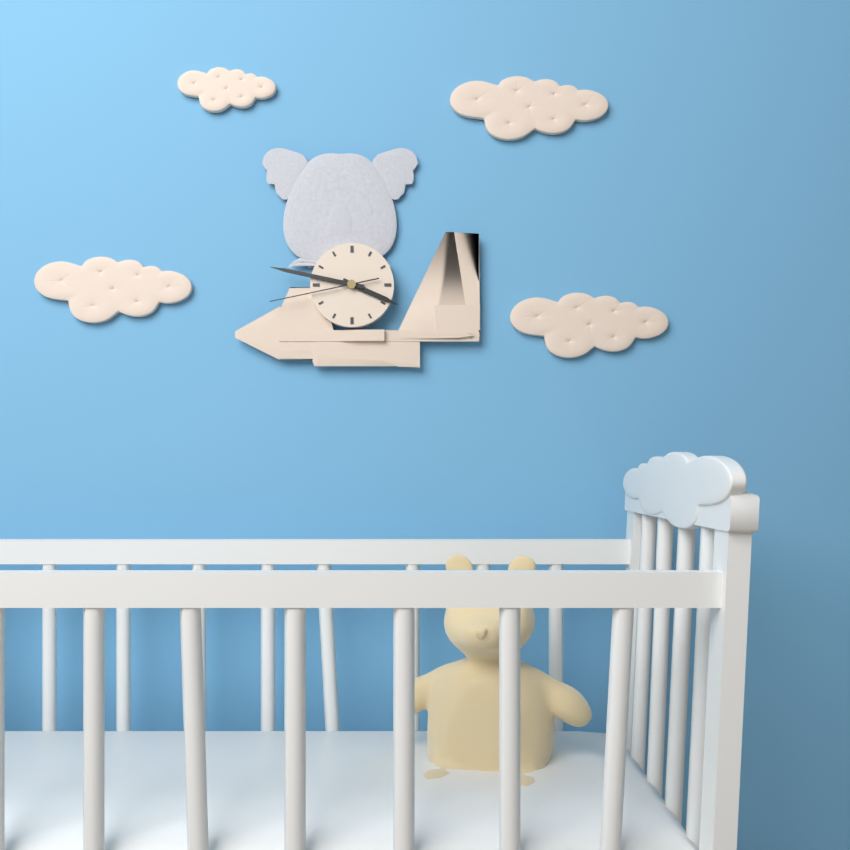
3:47:43
